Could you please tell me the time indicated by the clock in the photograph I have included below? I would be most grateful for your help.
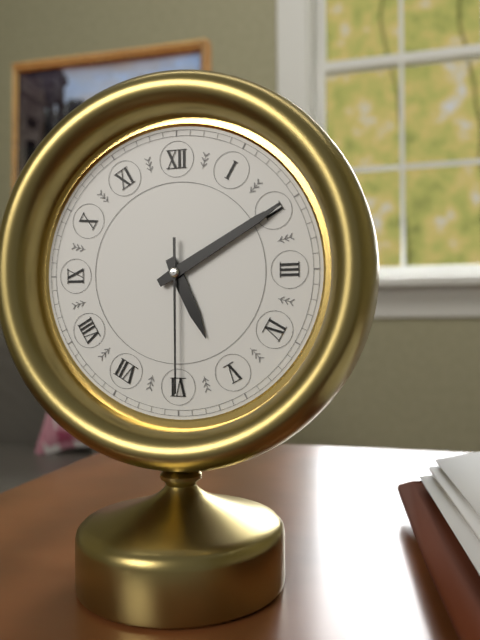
5:10:30
